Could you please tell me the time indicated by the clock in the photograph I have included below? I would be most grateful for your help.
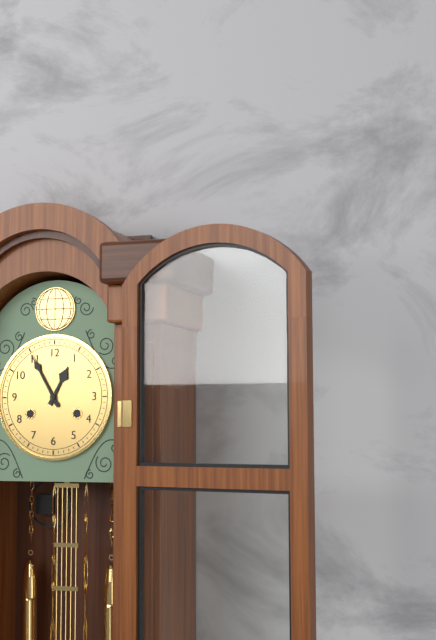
12:55
